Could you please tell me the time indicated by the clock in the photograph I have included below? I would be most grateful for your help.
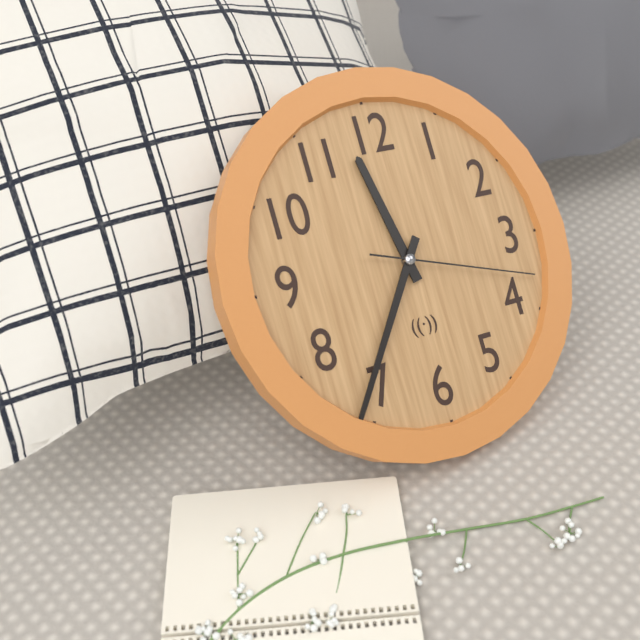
11:36:18
